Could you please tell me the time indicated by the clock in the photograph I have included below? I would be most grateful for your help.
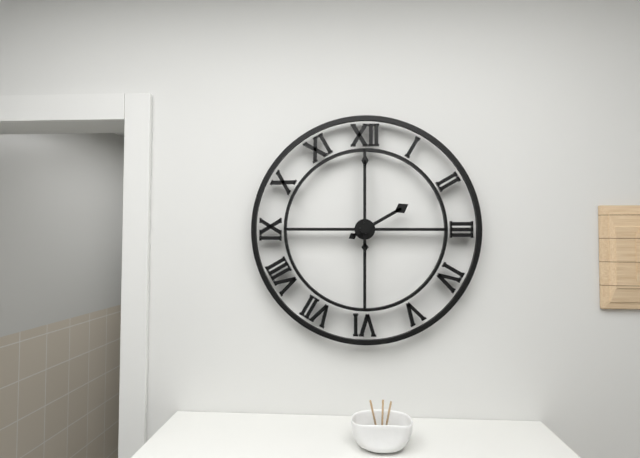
2:00
